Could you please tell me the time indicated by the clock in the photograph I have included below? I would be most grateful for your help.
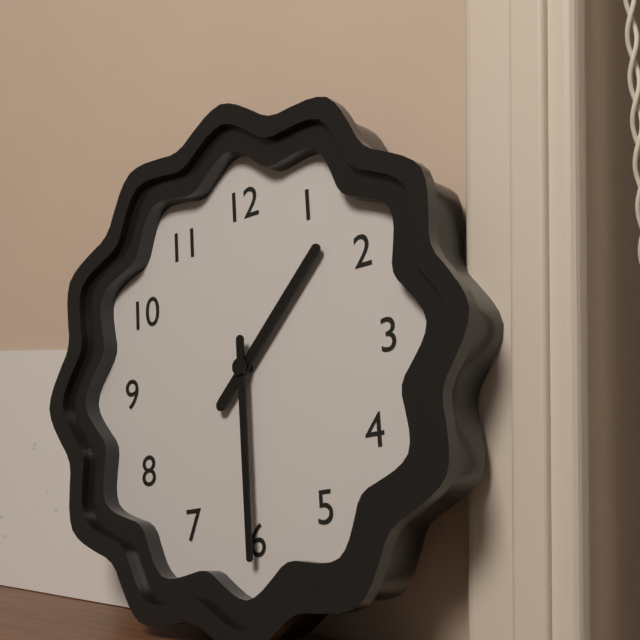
1:30
